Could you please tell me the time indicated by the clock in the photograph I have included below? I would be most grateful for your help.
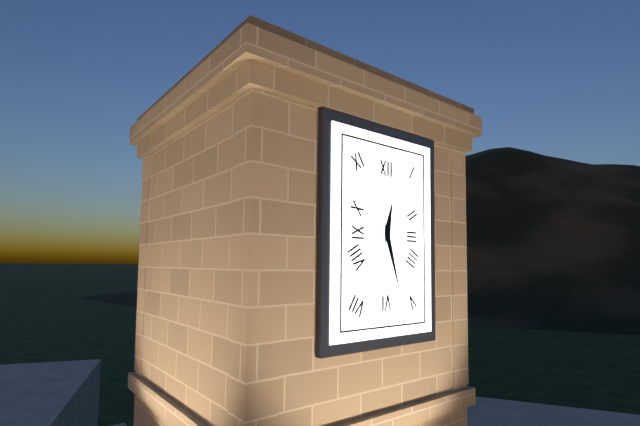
12:27
